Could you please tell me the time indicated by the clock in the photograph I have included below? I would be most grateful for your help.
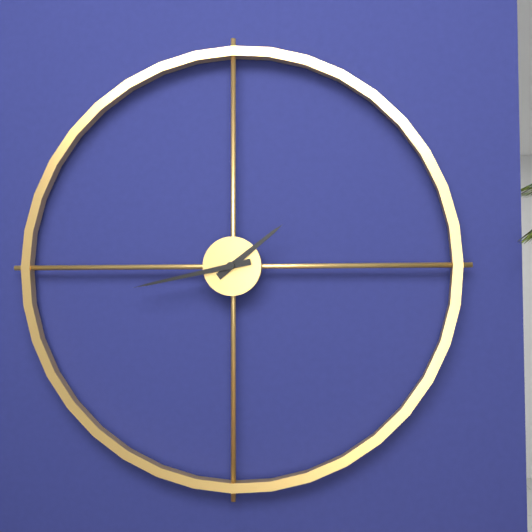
1:43
